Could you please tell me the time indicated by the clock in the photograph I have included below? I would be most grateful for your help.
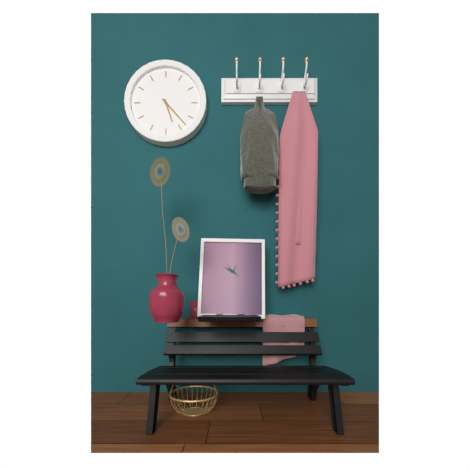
5:23
